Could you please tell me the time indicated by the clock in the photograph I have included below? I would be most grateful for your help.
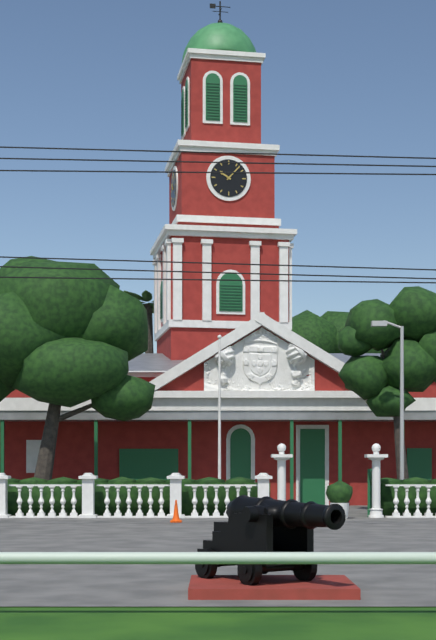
10:07
